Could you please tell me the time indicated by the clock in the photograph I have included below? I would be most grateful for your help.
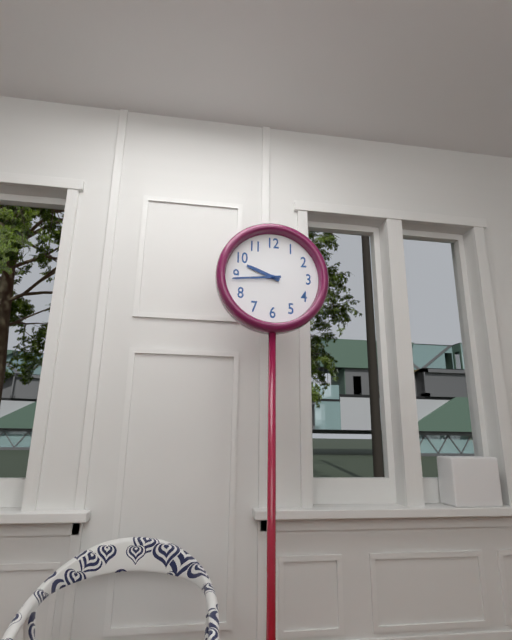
9:44
